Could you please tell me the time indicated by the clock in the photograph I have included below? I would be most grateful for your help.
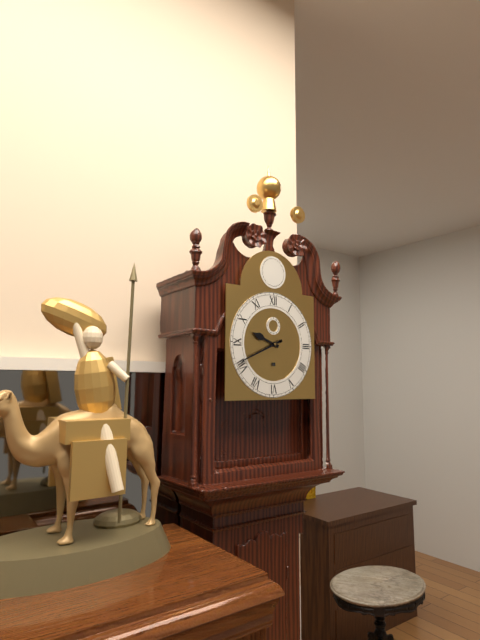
9:41
